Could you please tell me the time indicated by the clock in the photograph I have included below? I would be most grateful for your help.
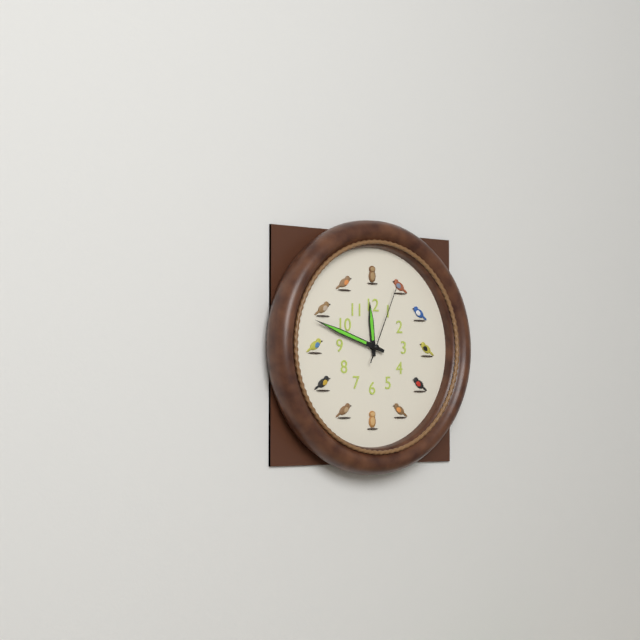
11:48:04
